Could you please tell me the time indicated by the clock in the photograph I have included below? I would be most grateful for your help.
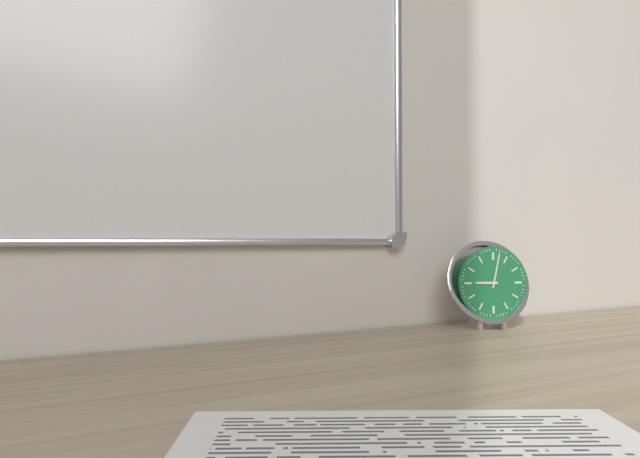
9:02
